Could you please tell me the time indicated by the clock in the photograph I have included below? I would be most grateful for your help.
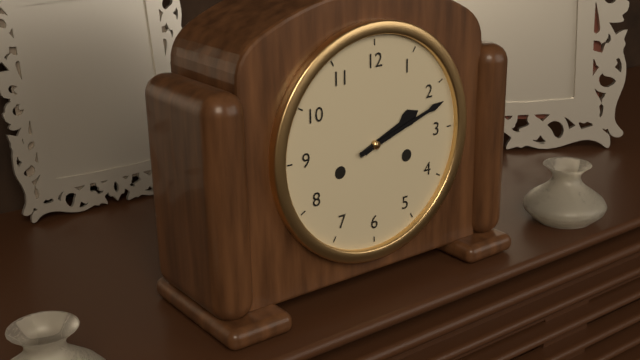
2:12
